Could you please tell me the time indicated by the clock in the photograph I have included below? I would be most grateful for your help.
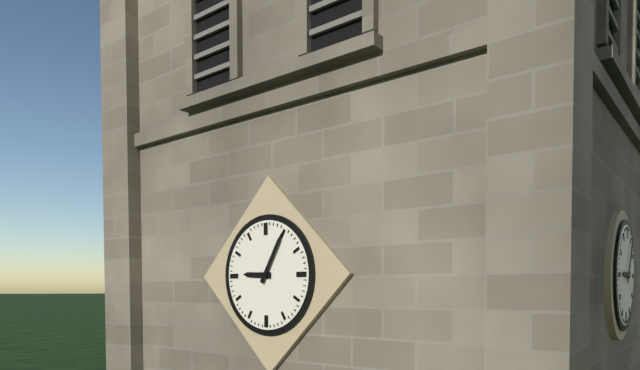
9:05
